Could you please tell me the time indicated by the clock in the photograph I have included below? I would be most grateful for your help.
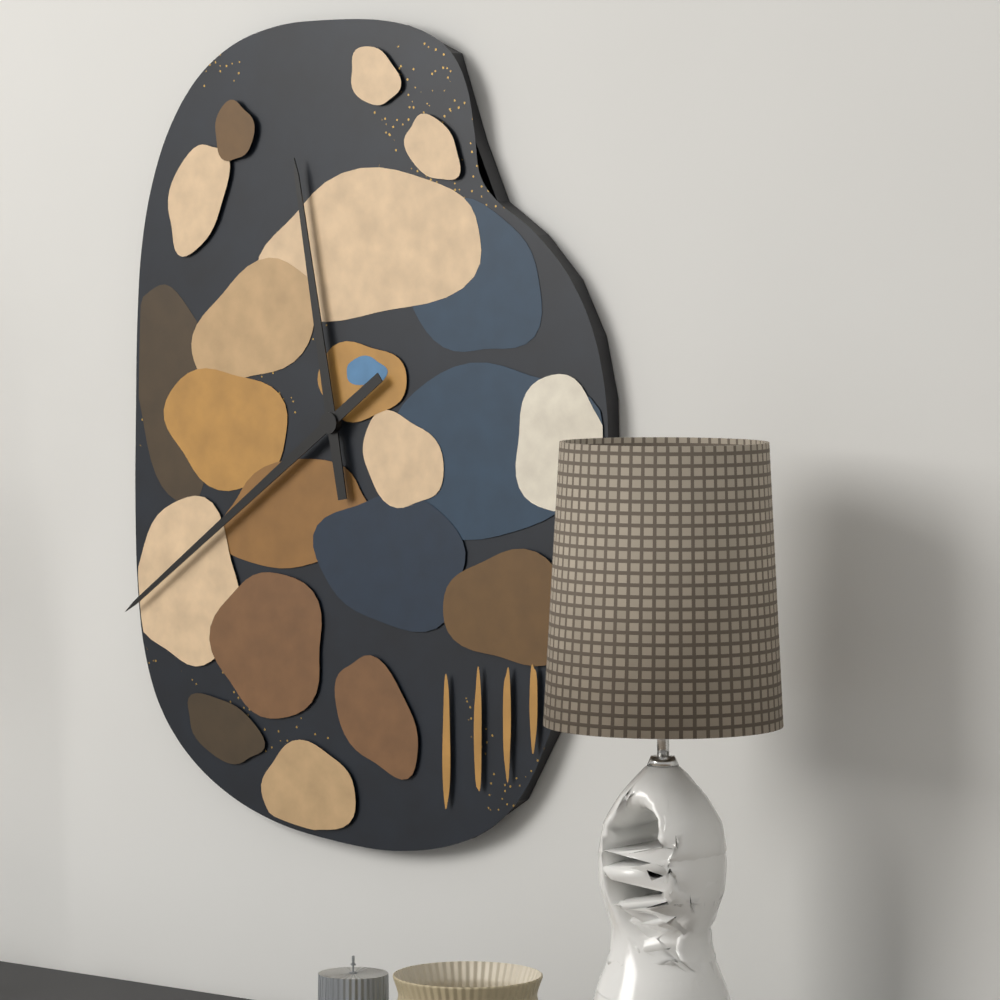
11:39
